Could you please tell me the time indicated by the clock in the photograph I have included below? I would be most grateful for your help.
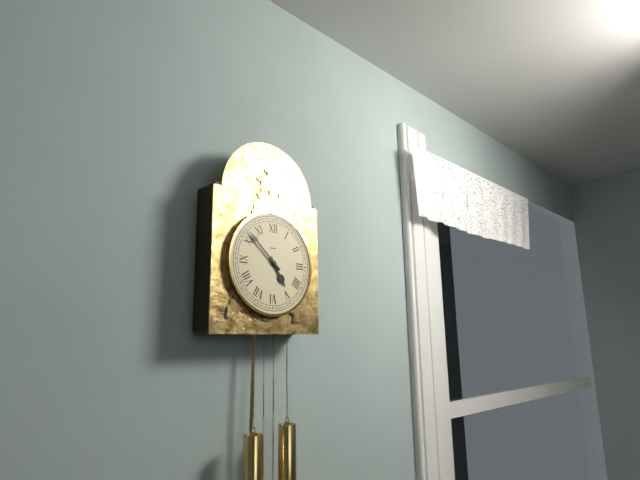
4:52
